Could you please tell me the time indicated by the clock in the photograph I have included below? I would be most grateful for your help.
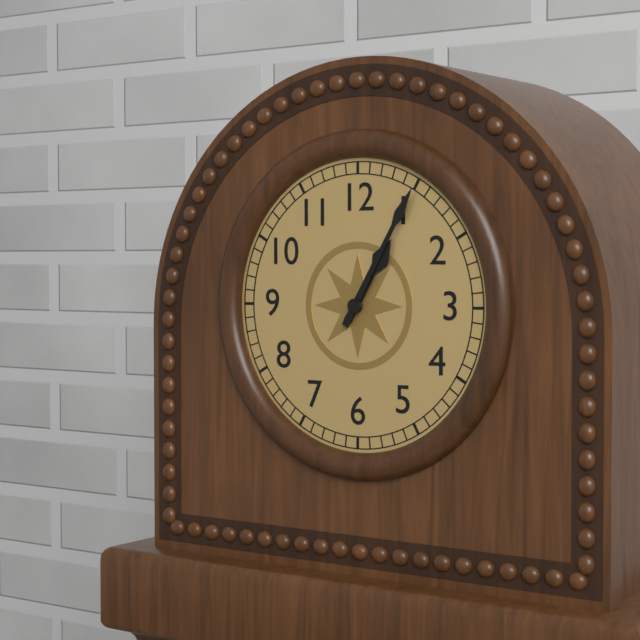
1:05
